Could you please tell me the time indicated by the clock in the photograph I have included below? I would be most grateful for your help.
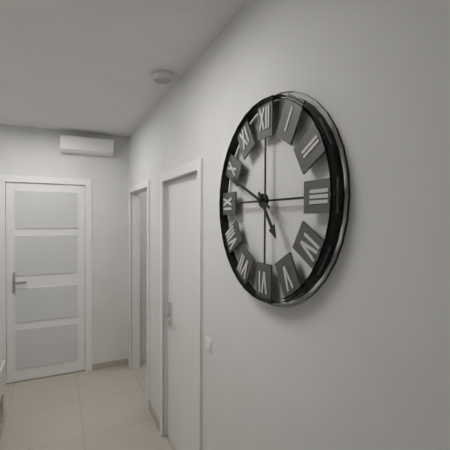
4:49
